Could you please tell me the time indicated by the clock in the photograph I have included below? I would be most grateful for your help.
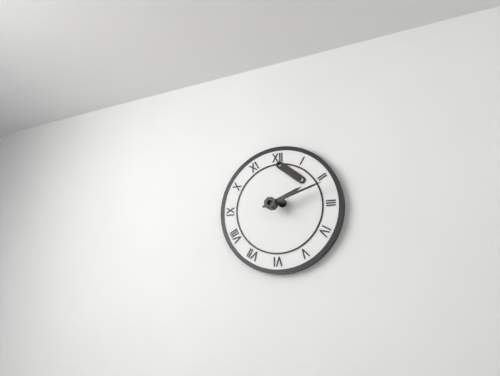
2:12
